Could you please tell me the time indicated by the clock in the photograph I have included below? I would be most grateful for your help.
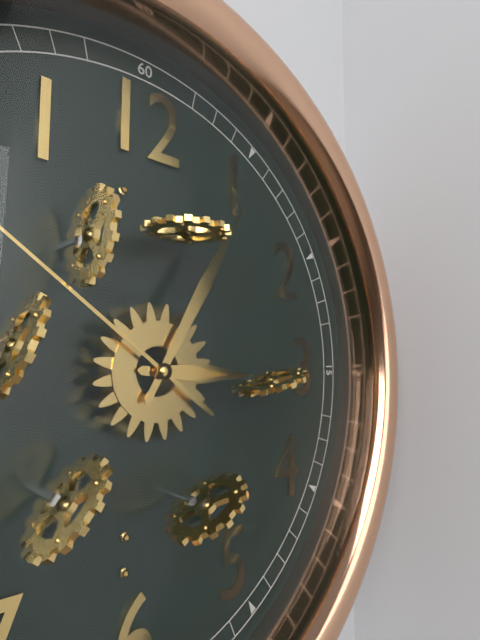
3:05
